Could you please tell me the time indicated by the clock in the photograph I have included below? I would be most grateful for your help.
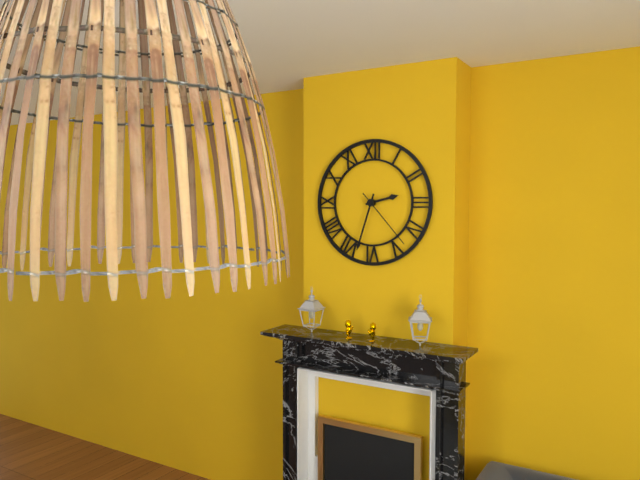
2:33:23
